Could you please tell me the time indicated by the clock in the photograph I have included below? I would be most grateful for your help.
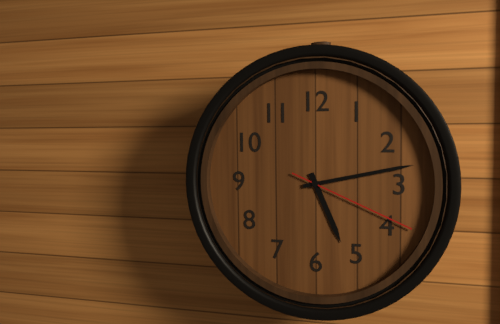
5:13:19
